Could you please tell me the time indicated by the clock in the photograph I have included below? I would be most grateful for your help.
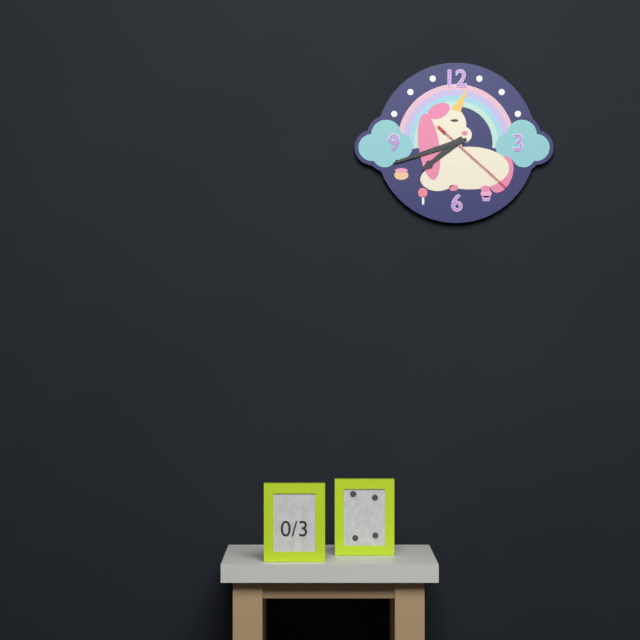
7:42:22
